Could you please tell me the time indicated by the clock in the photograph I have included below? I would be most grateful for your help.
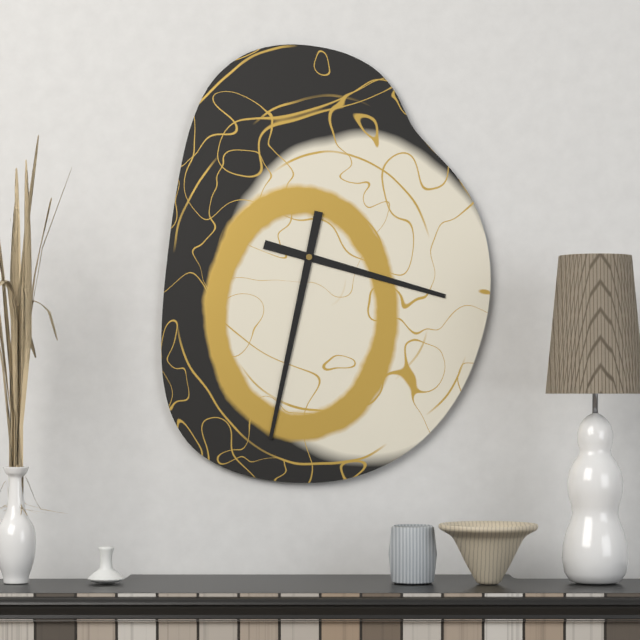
3:32
